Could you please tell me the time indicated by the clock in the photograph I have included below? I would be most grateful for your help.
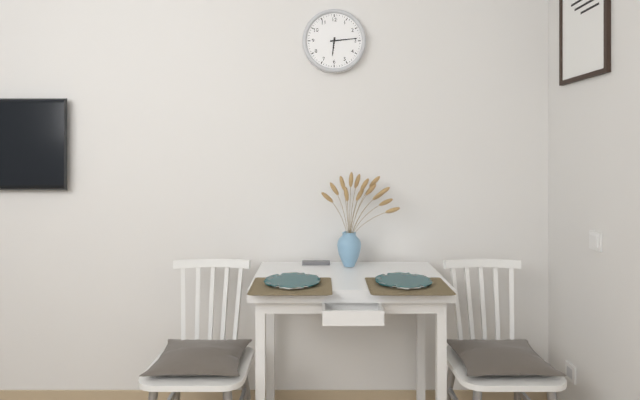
6:14
